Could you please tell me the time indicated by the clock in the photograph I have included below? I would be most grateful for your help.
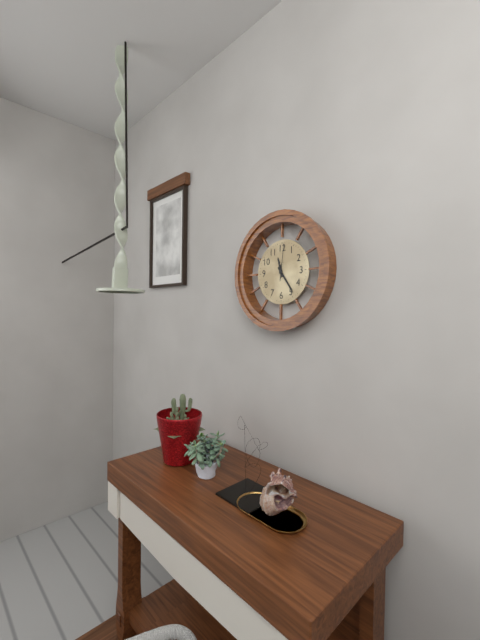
11:24
